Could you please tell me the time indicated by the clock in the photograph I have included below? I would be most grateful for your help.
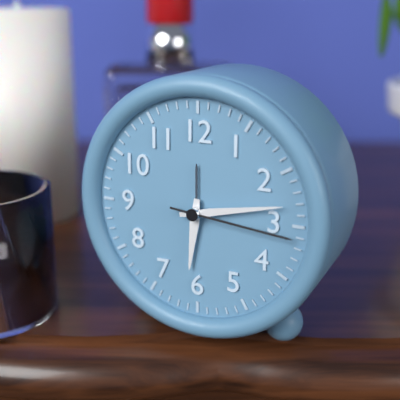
6:13:16
